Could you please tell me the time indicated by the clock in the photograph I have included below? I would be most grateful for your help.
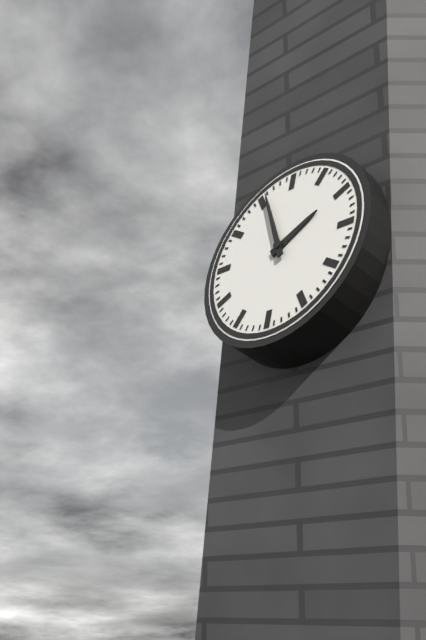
1:56
